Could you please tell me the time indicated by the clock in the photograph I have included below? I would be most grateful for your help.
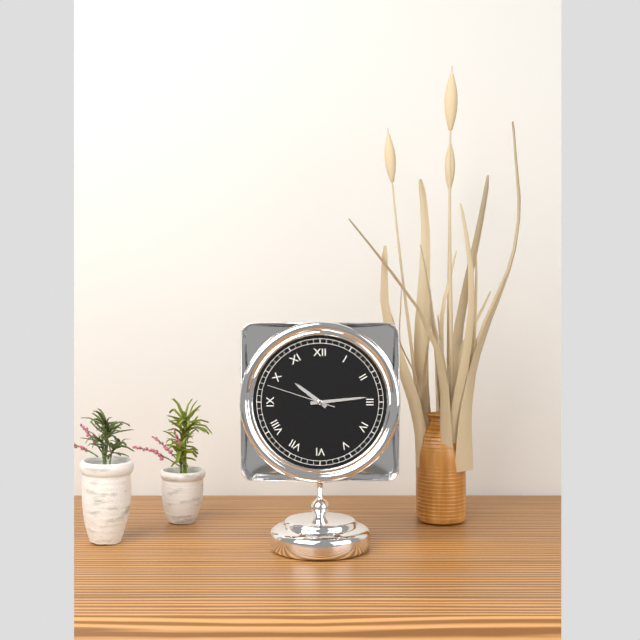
10:14:48
